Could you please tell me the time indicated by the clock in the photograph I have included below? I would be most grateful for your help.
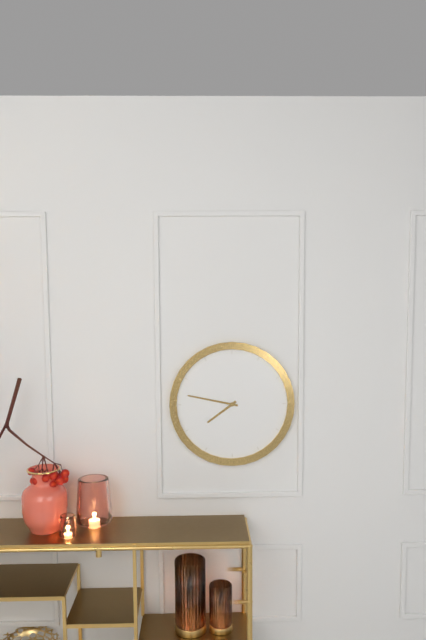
7:47
